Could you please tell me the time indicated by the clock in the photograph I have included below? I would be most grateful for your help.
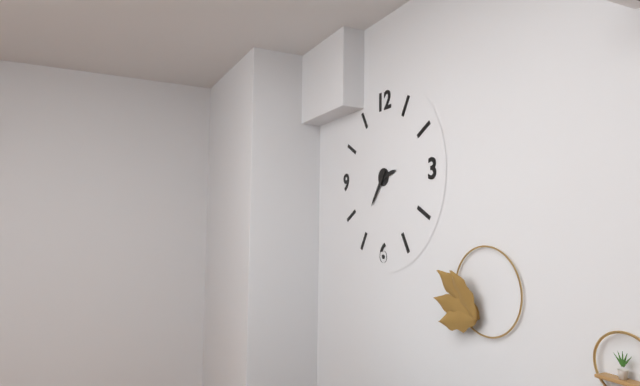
2:36
